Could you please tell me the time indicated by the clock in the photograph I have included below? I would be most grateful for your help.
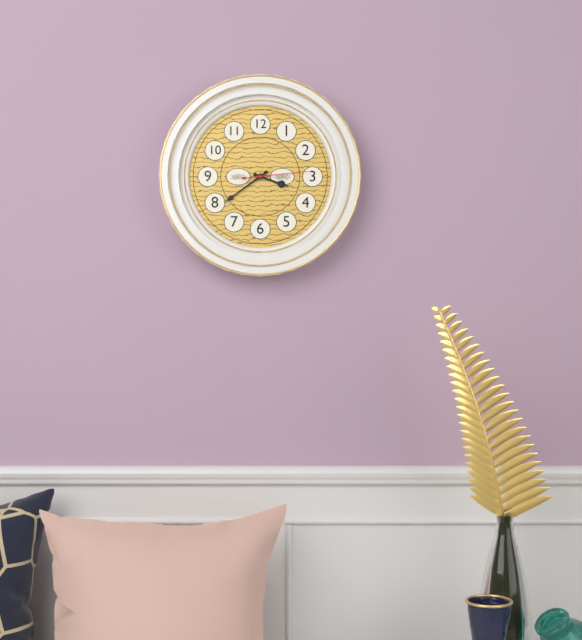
3:39:14
